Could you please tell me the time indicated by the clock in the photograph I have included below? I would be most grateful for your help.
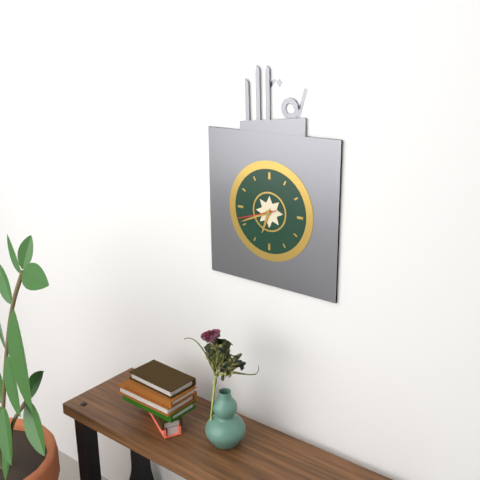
6:41
